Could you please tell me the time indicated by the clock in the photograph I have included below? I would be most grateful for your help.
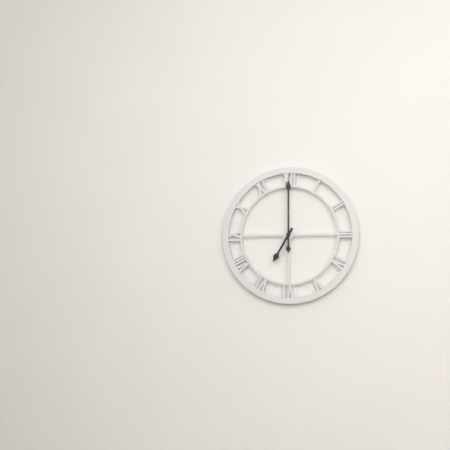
7:00
